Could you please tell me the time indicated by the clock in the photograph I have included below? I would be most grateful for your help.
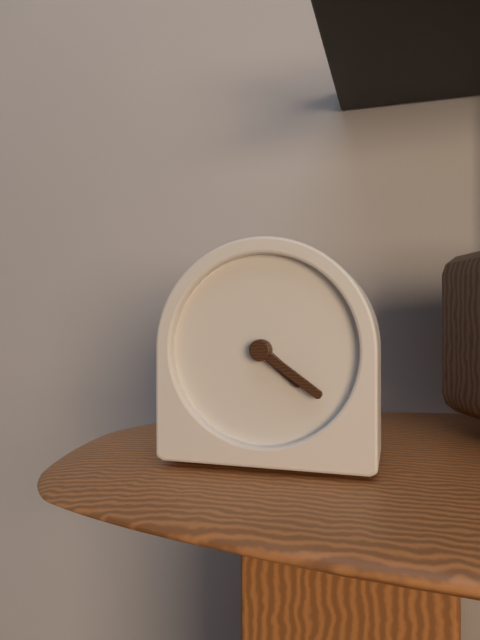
4:21
